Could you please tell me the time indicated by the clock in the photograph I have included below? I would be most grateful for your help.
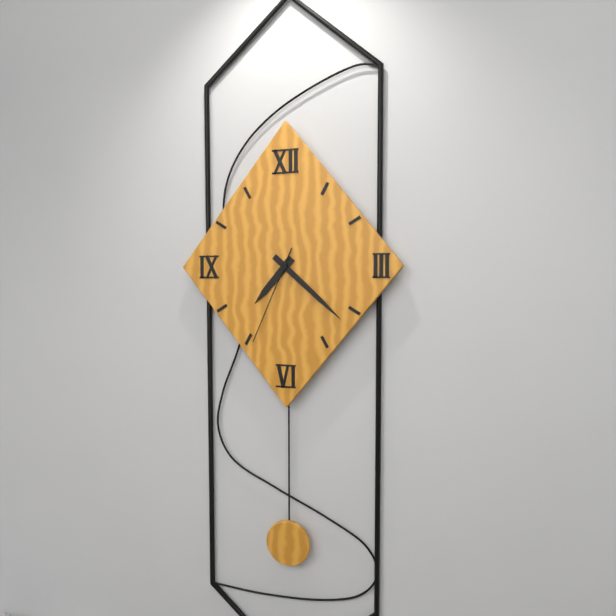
7:22:34
